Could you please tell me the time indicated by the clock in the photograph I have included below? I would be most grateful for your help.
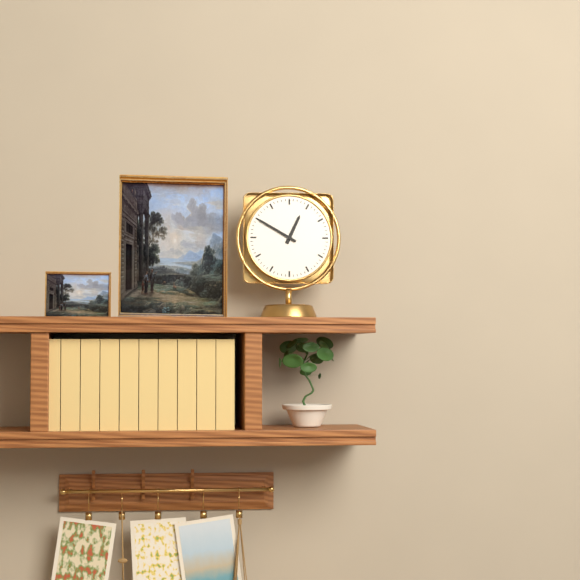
12:50
